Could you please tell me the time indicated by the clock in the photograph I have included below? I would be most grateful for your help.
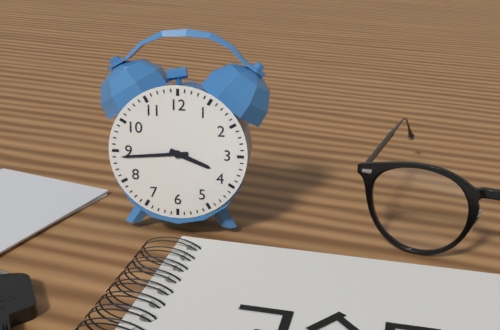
3:44
